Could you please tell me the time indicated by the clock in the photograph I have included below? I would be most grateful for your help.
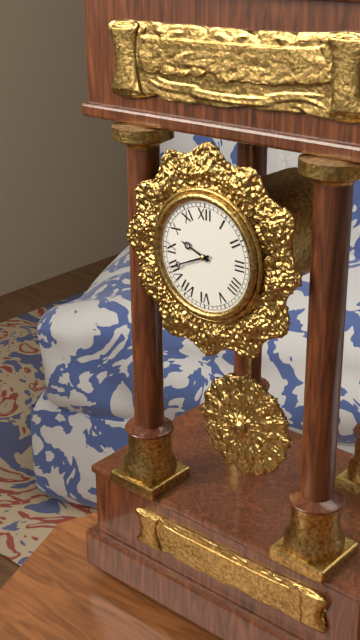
9:41
